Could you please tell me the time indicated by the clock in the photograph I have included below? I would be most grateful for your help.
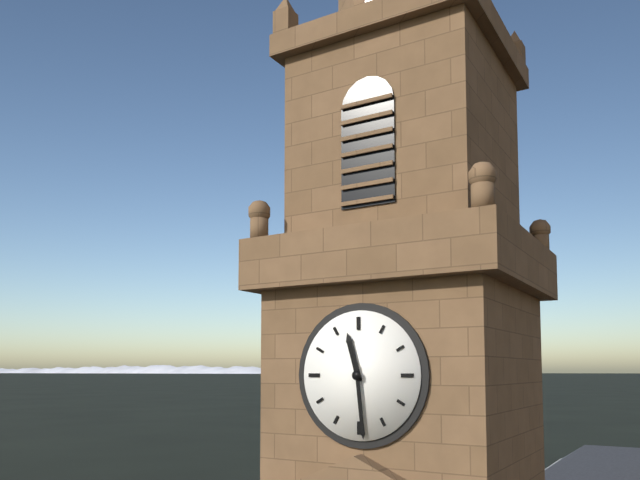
11:29
